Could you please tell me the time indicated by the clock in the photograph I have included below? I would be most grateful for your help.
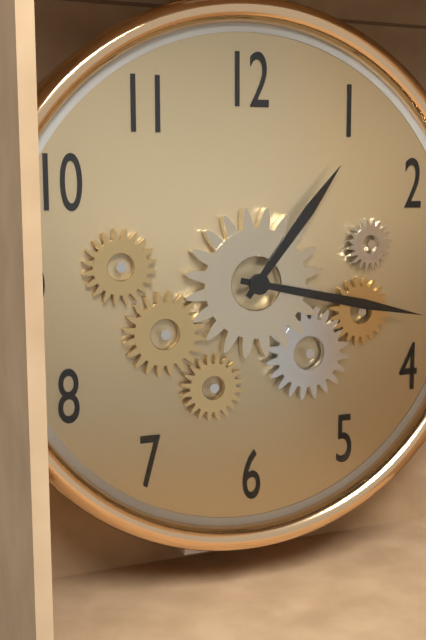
1:17
